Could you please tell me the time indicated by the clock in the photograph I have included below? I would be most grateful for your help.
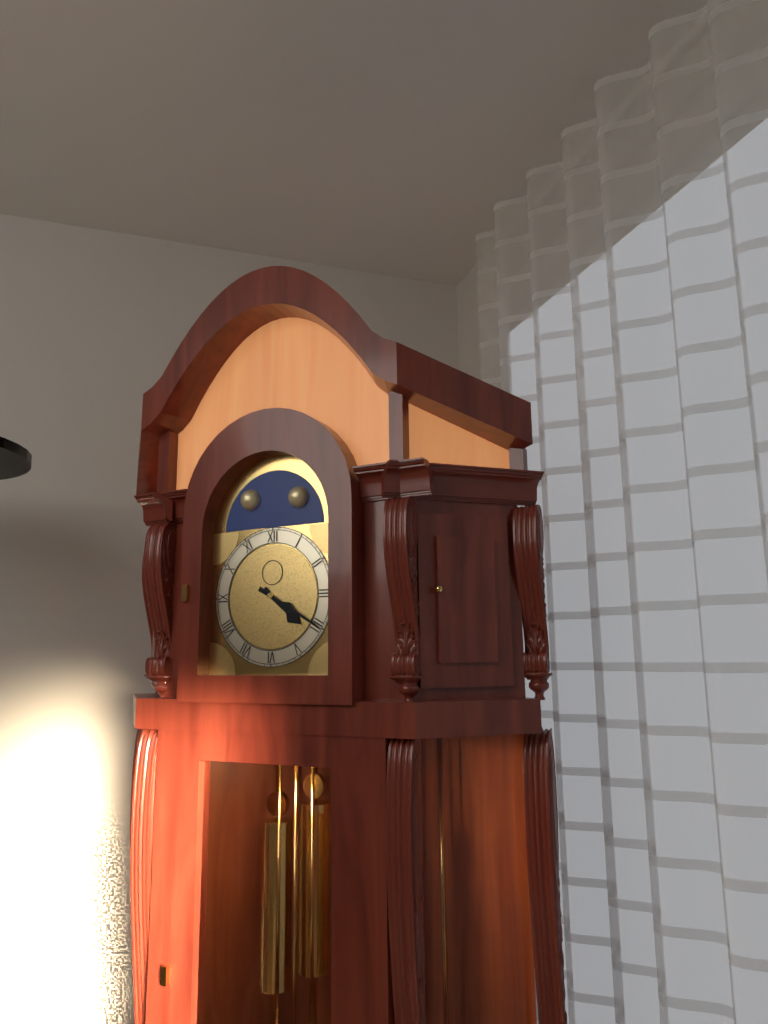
4:20
